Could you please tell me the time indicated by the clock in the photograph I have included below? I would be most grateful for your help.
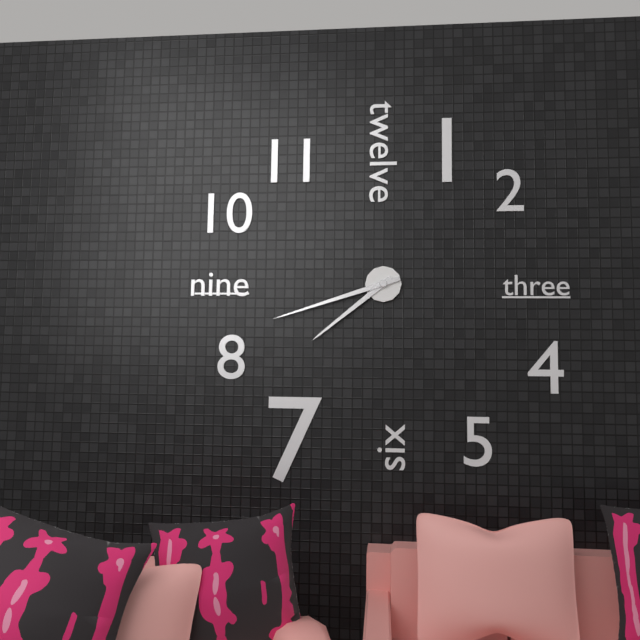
7:42
